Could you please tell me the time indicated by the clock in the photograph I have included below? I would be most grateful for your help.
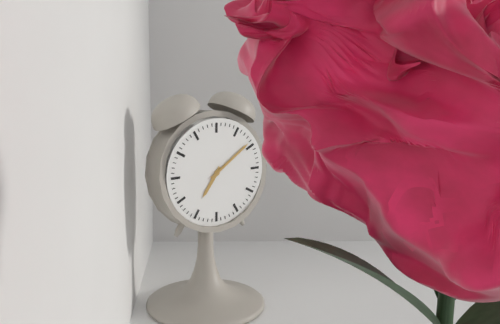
7:09
